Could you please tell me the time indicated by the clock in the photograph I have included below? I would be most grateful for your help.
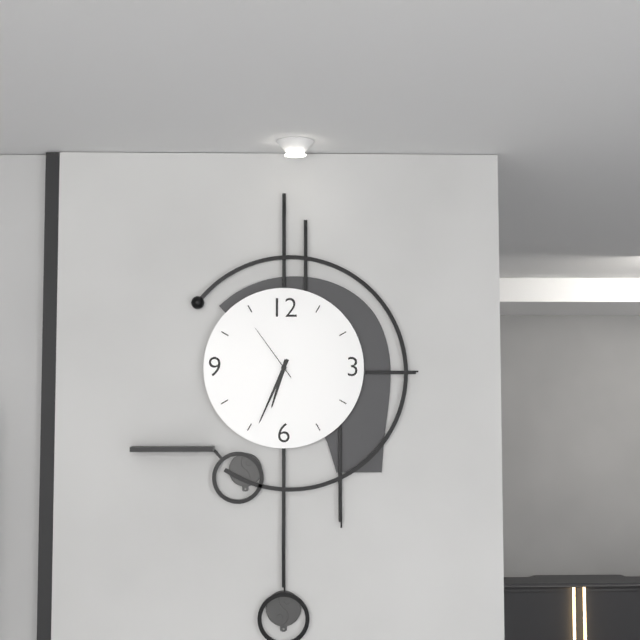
6:34:54
